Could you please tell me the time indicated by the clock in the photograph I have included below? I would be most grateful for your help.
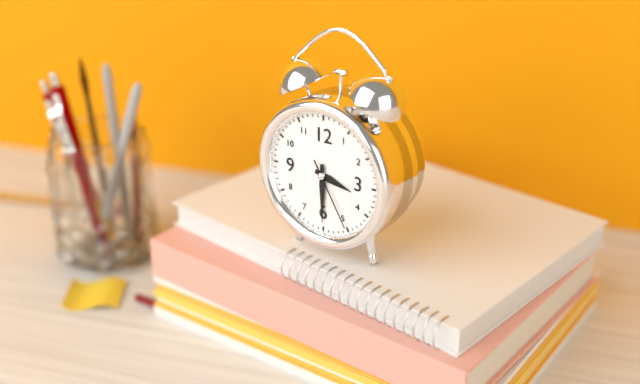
3:30:25
